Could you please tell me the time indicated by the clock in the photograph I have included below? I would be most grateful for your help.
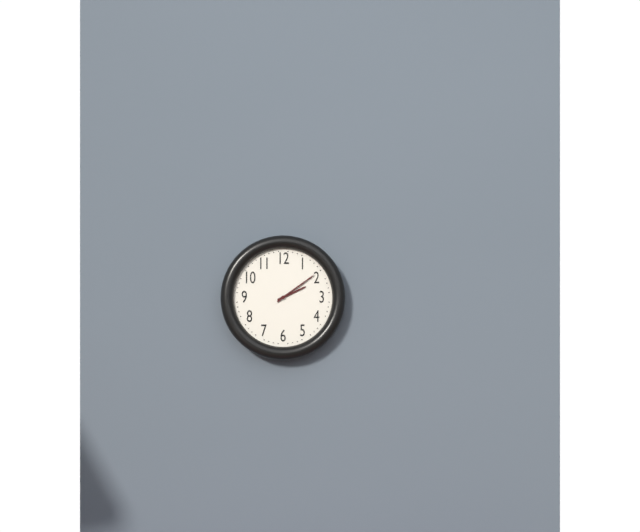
2:09
